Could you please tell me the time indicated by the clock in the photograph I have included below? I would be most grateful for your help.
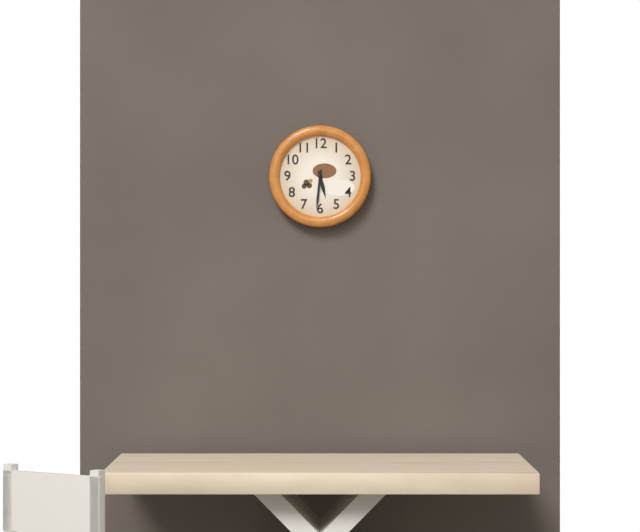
5:31
